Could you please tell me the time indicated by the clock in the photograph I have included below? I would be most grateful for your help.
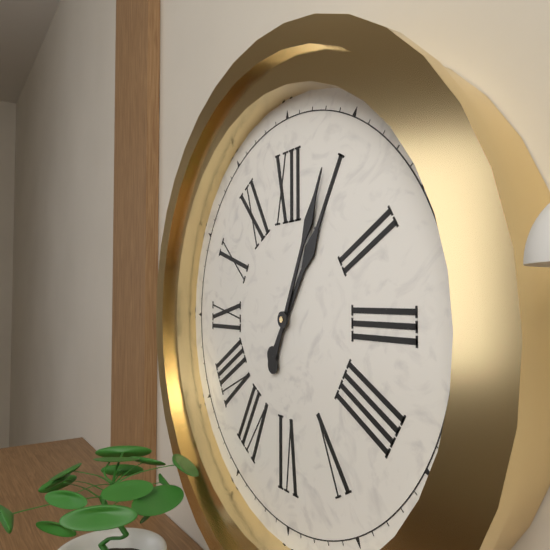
1:04
